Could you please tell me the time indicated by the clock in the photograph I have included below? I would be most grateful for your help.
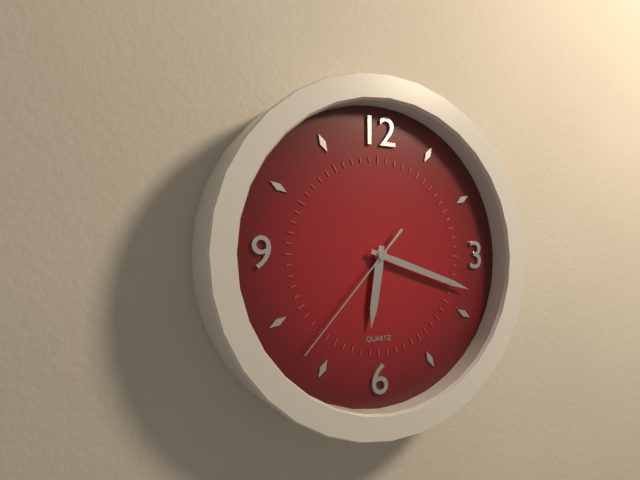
6:18:37
